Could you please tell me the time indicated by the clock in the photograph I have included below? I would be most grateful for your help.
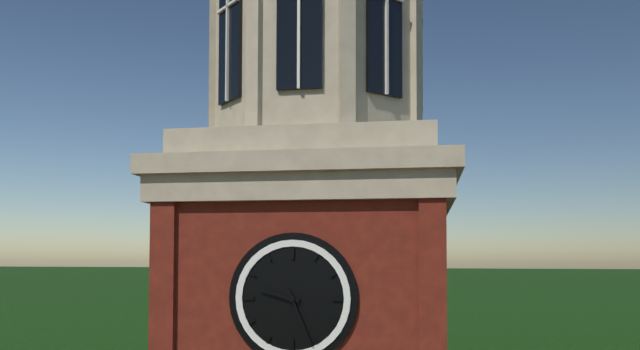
9:26
